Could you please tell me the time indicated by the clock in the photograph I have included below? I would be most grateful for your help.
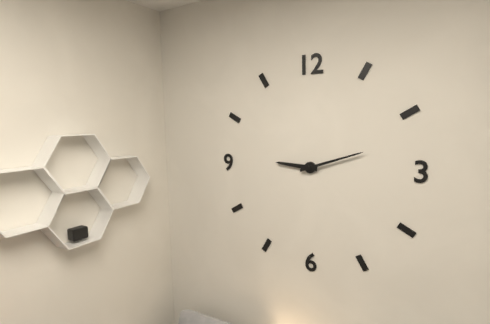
9:12
